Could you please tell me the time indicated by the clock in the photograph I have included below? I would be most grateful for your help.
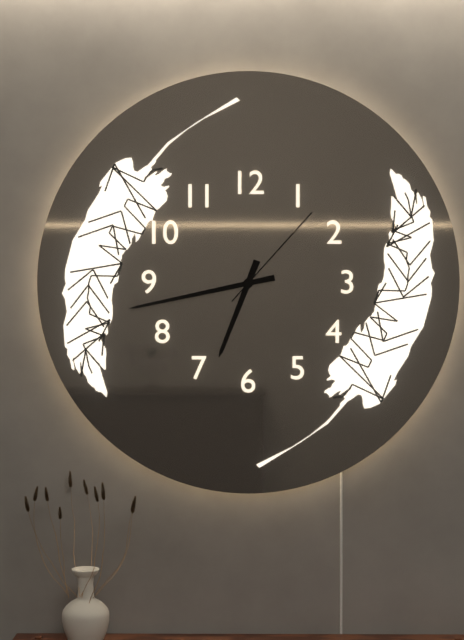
6:43:07
